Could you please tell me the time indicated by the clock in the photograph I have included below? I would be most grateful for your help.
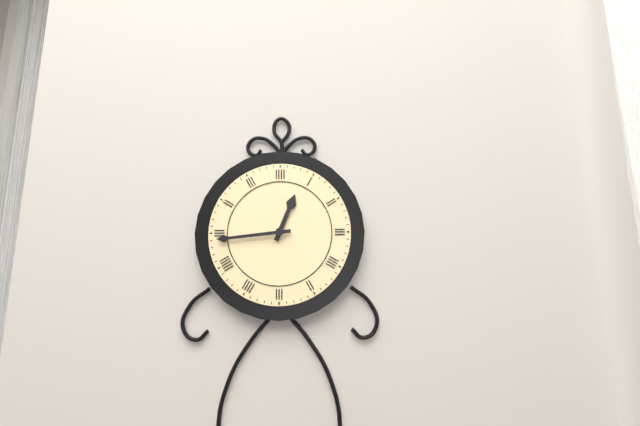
12:44
